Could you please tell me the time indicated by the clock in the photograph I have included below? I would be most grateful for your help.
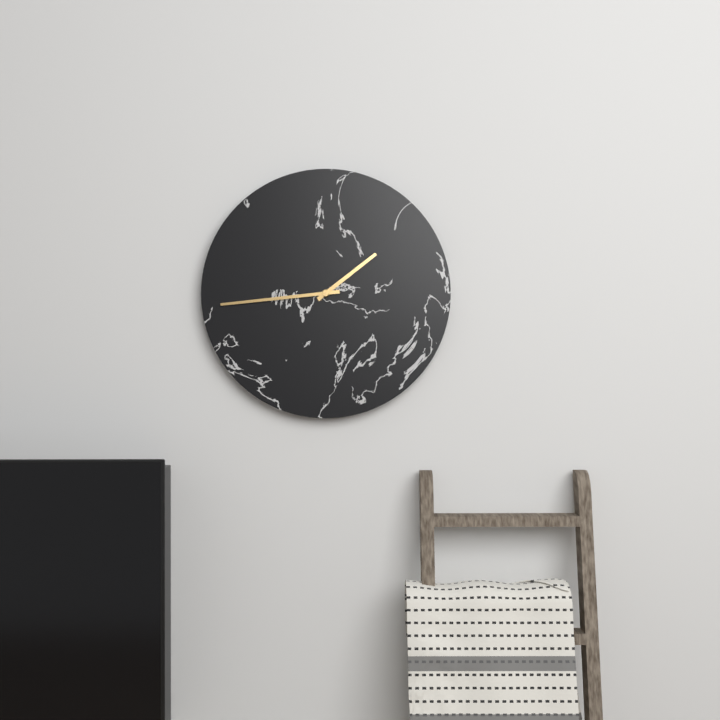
1:44
